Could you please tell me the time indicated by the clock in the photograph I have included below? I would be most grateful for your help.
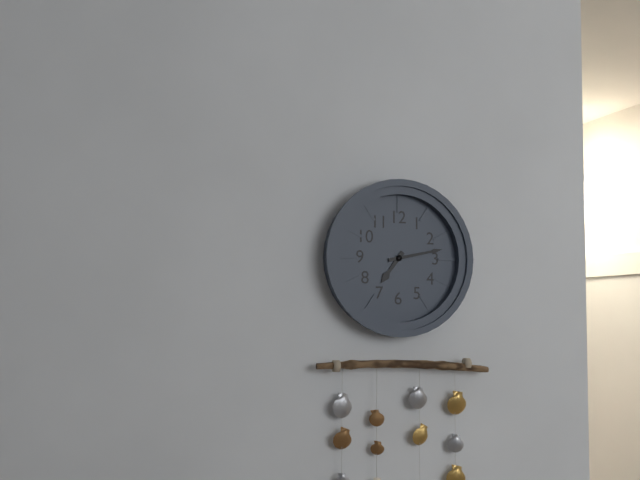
7:13
